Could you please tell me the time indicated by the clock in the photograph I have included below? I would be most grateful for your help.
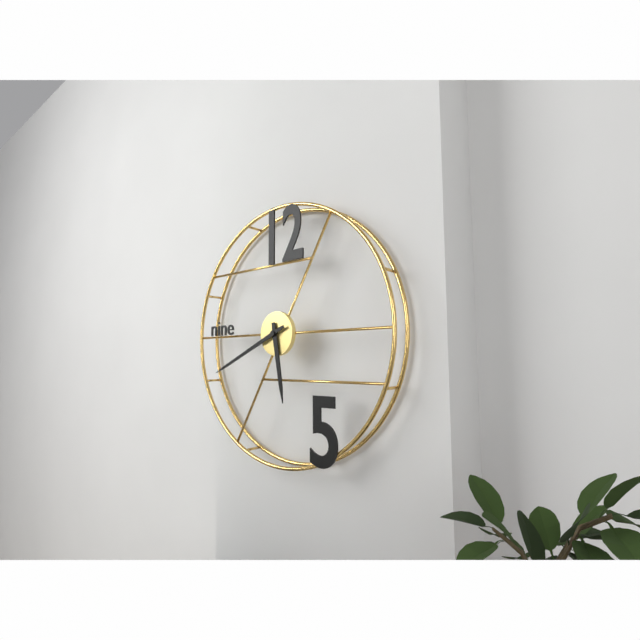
5:41
